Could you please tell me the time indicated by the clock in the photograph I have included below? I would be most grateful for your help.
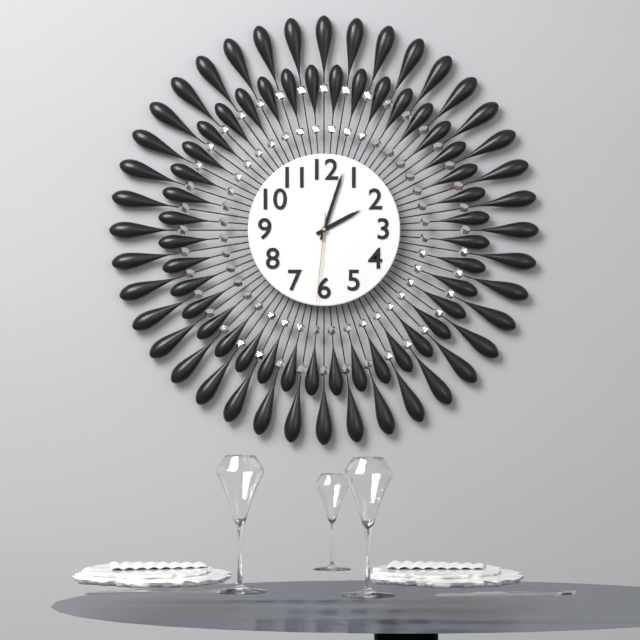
2:03:31
